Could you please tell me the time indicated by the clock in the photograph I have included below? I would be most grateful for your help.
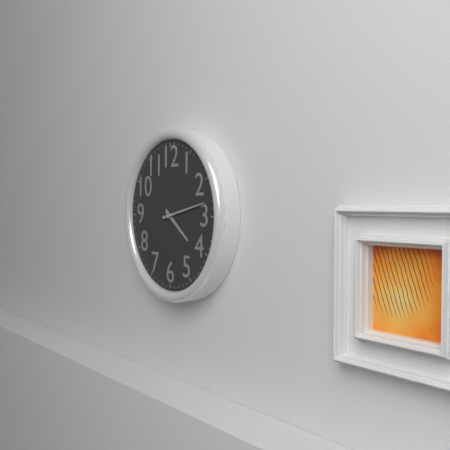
4:13
